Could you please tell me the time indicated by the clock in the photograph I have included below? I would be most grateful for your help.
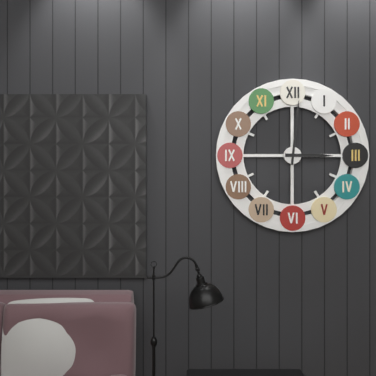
3:01
